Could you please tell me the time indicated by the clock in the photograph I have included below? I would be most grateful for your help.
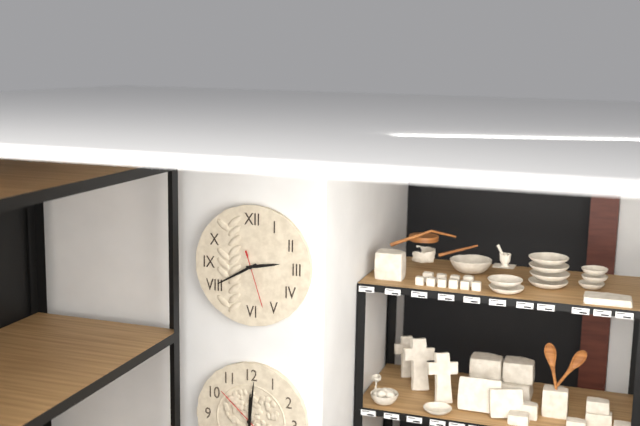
2:40:27
